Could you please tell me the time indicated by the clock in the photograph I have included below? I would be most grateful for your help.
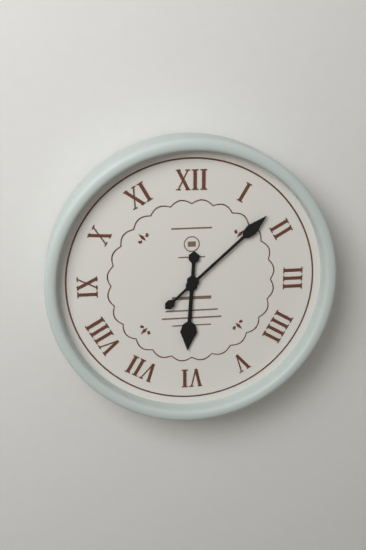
6:08
